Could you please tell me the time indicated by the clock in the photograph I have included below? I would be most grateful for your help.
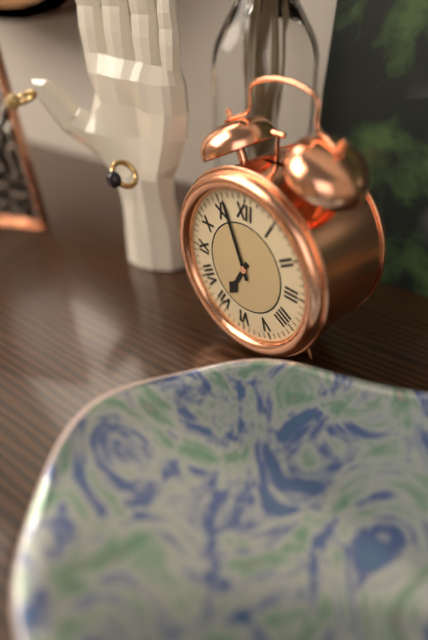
6:56
